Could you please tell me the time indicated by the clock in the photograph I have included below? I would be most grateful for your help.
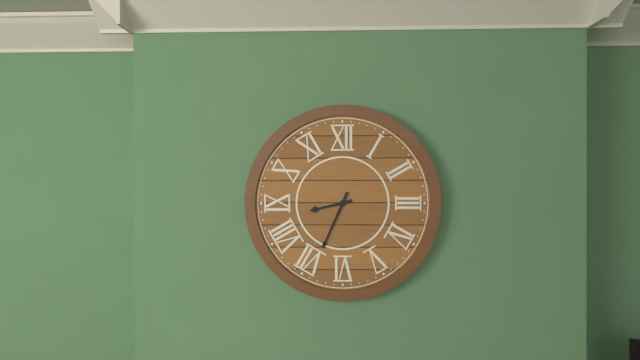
8:34
